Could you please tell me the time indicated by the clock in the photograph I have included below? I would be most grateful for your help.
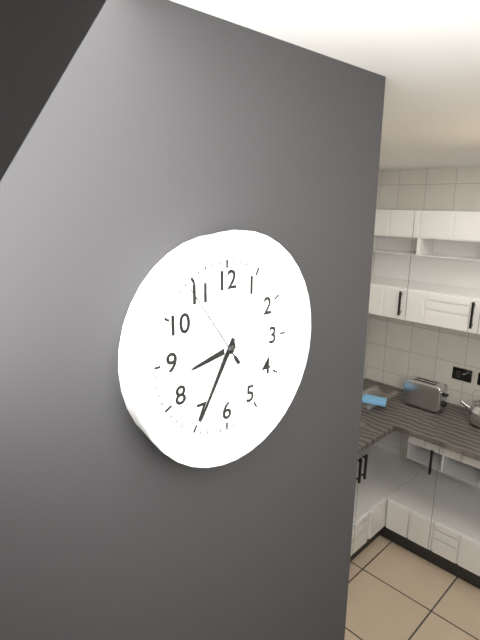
8:35:54
